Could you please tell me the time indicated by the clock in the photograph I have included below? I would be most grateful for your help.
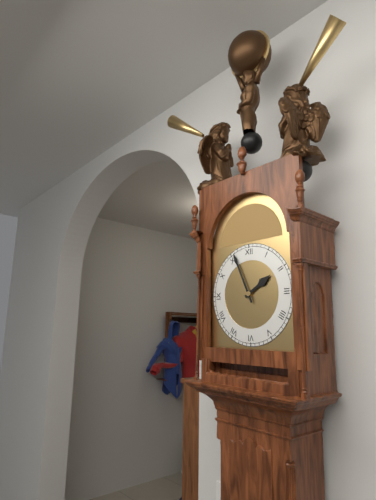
1:56
